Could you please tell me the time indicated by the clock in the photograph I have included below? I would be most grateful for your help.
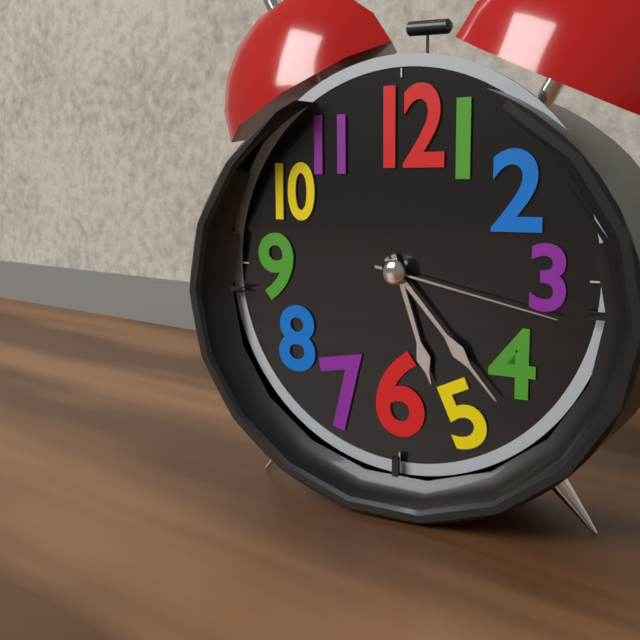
5:23:17
